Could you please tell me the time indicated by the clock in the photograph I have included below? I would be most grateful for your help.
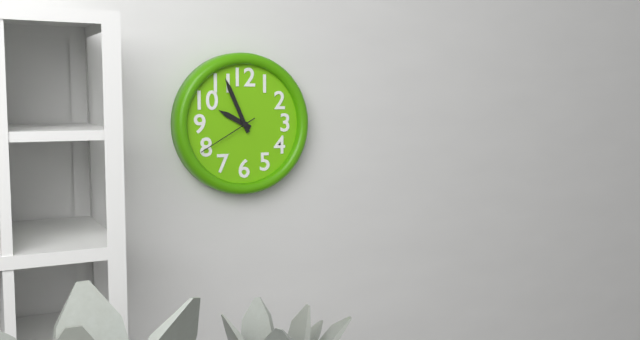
9:56:40
